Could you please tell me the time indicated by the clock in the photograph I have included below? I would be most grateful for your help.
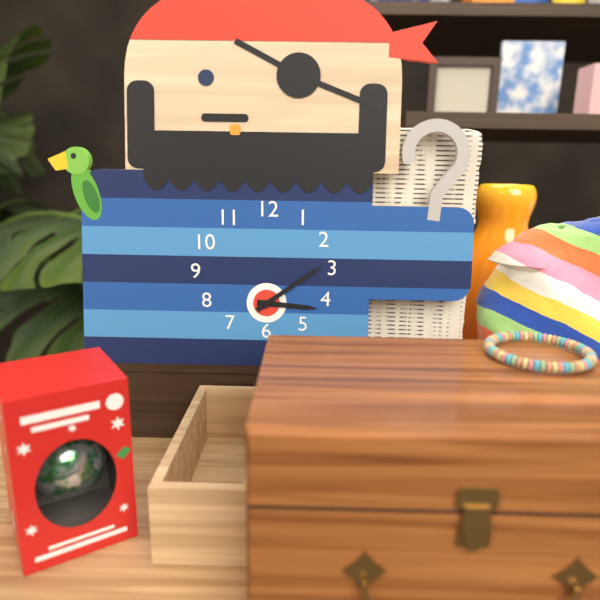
3:09
